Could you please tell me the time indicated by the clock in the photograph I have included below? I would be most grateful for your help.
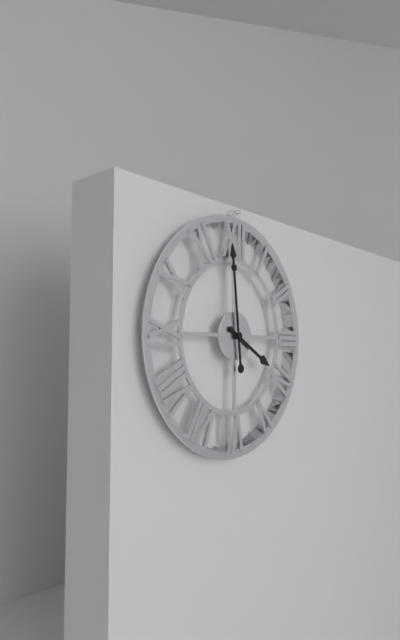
3:59
